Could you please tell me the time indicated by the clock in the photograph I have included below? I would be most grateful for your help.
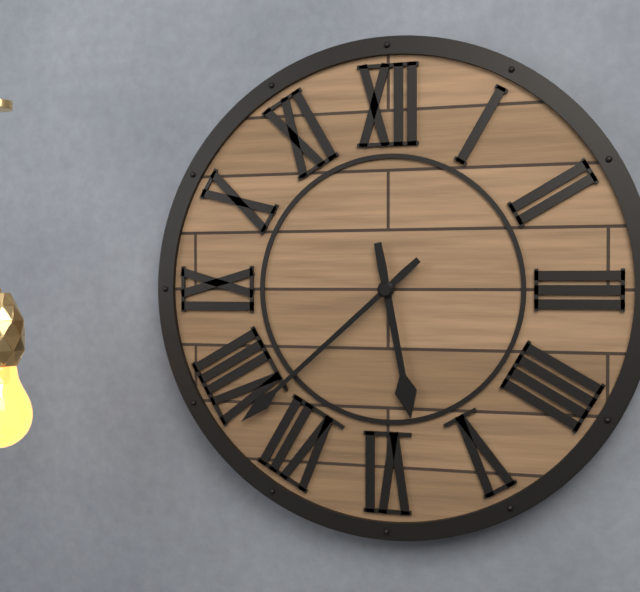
5:38
